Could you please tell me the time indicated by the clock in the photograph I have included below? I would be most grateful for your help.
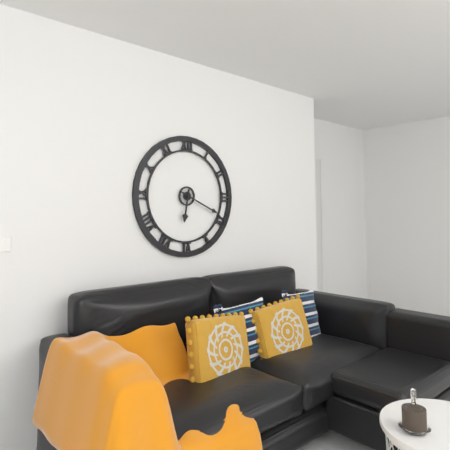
6:19
